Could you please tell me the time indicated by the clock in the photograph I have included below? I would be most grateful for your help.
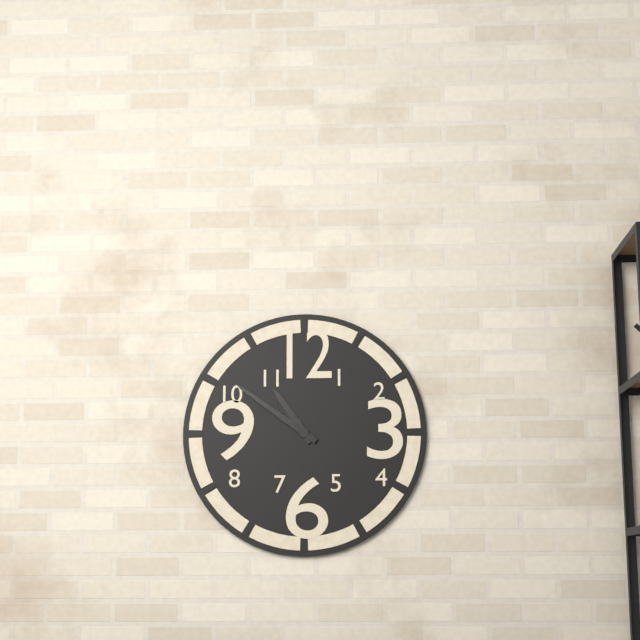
10:51
